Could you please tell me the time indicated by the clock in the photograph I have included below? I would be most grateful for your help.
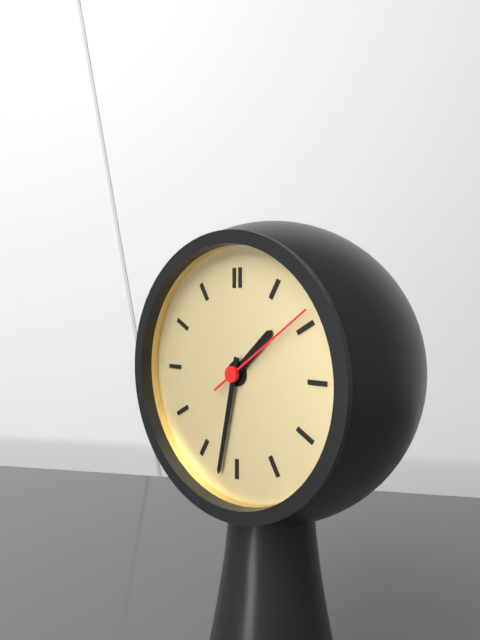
1:32:09
